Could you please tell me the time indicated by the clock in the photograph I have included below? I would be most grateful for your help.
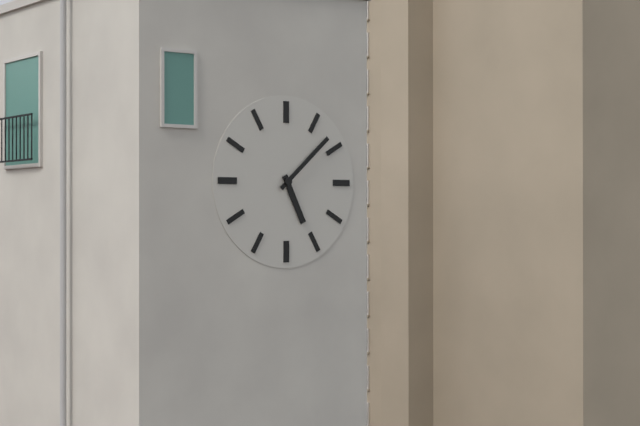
5:08
